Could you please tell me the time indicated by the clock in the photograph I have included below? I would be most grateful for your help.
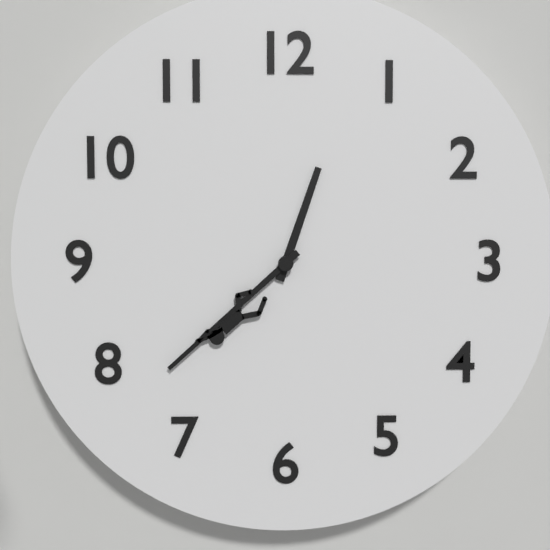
12:38
